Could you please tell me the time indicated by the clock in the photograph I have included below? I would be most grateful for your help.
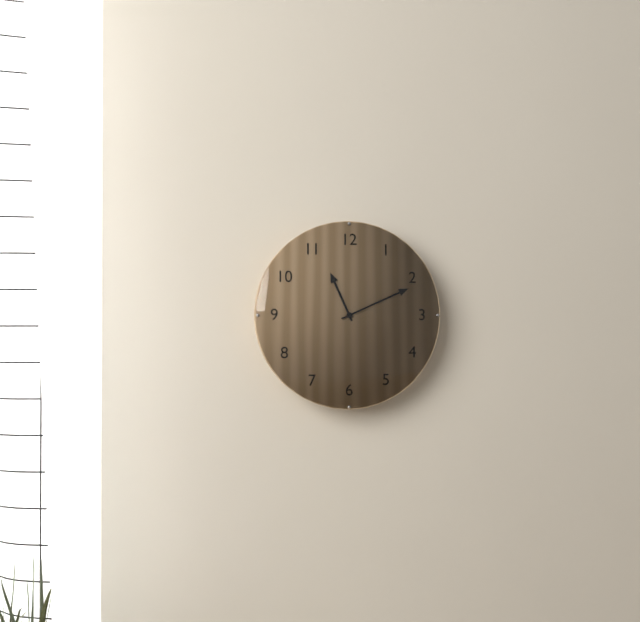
11:11
